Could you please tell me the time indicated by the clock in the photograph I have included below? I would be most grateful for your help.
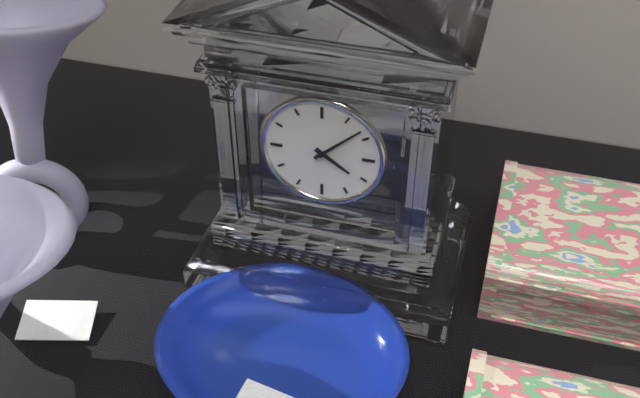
4:08
